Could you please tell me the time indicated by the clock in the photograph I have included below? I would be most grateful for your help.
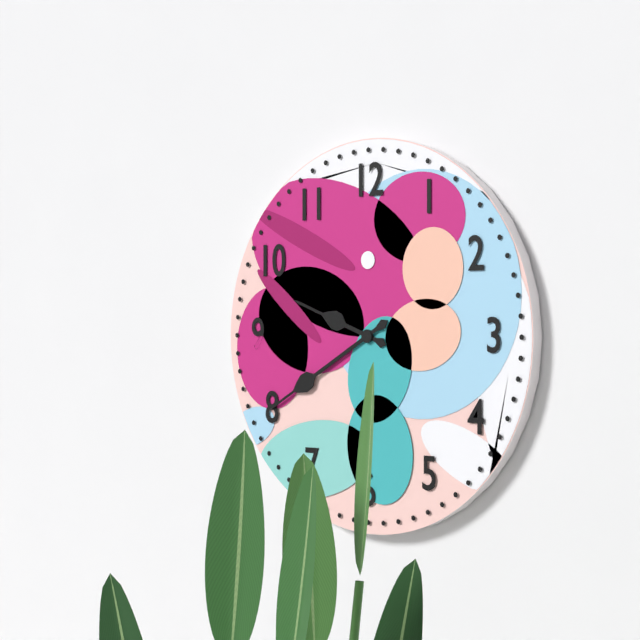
9:40
